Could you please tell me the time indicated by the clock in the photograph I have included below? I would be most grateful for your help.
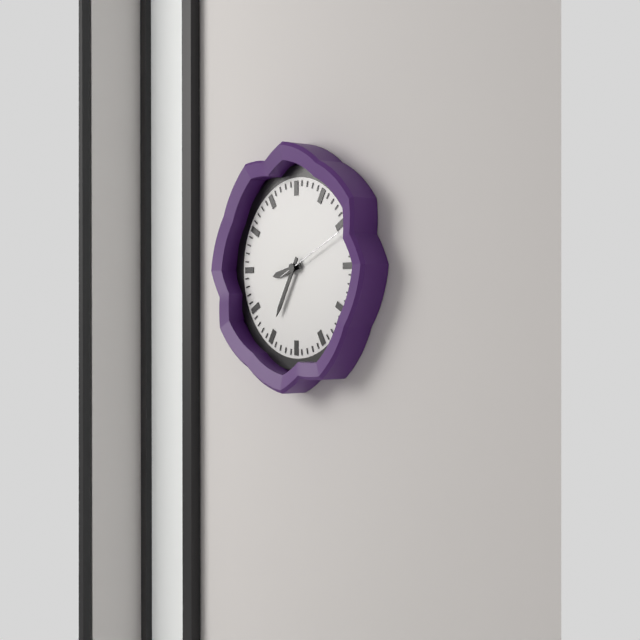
8:35:11
